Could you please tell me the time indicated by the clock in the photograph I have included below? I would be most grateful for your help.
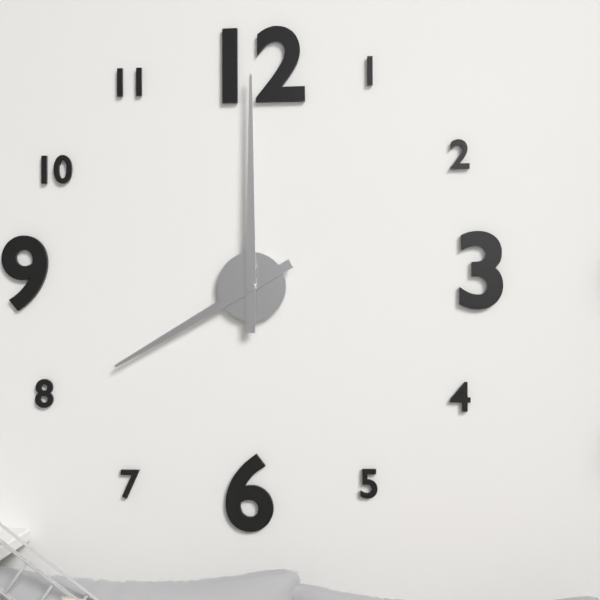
8:00
